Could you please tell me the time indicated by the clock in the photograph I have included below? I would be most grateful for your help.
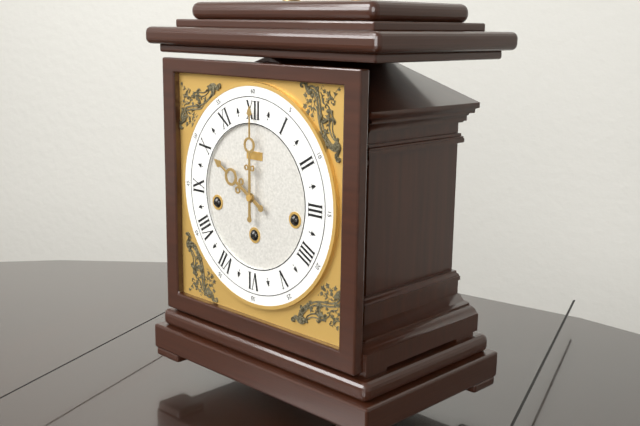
10:00
